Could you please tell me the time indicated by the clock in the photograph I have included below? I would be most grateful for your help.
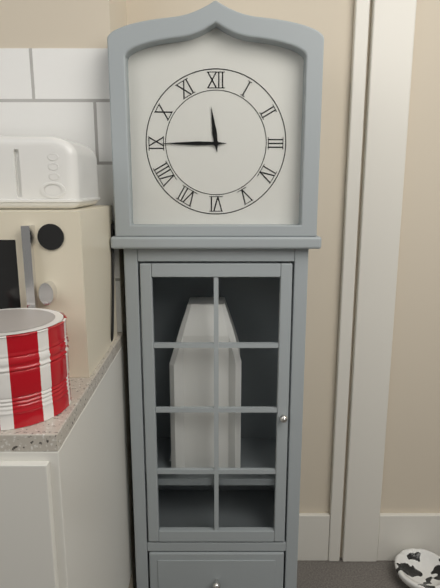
11:45
